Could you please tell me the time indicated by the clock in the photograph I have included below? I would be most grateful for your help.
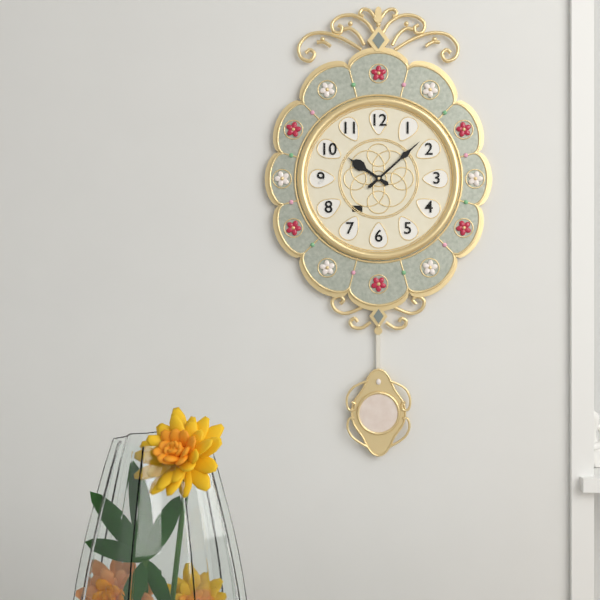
10:08
